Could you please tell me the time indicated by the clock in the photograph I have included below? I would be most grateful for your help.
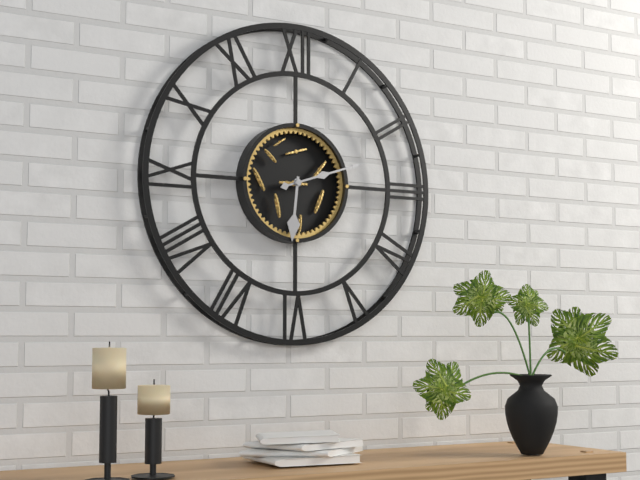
6:12
